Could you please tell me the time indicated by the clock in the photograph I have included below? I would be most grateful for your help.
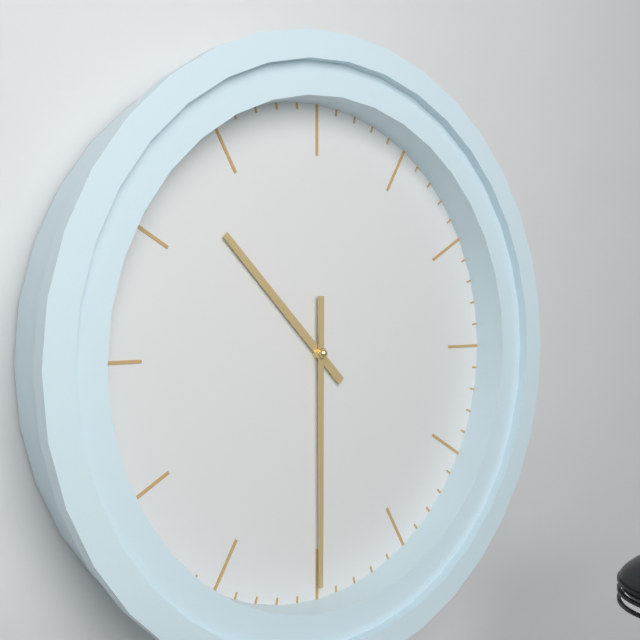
10:30
